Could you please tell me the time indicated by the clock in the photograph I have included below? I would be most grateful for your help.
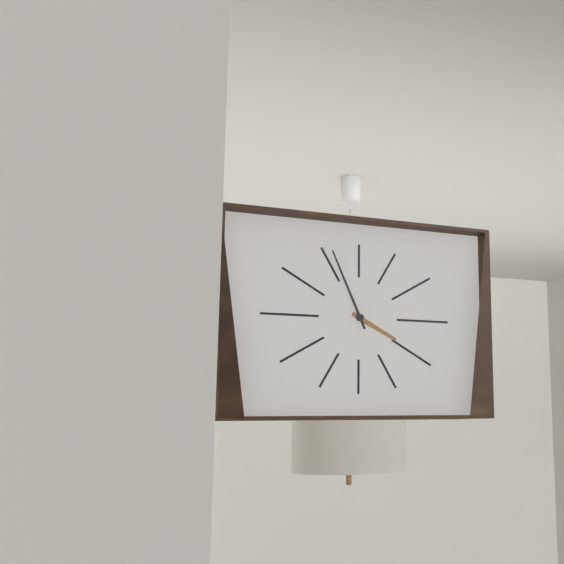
3:56
